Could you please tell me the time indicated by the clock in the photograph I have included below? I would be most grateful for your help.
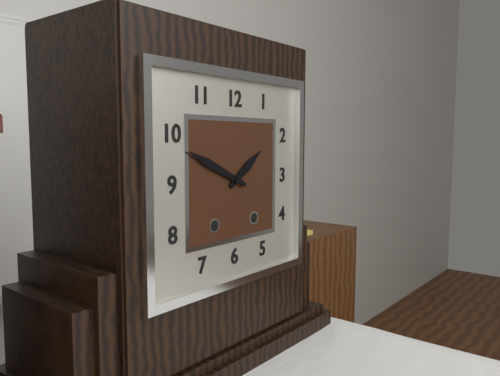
1:49
